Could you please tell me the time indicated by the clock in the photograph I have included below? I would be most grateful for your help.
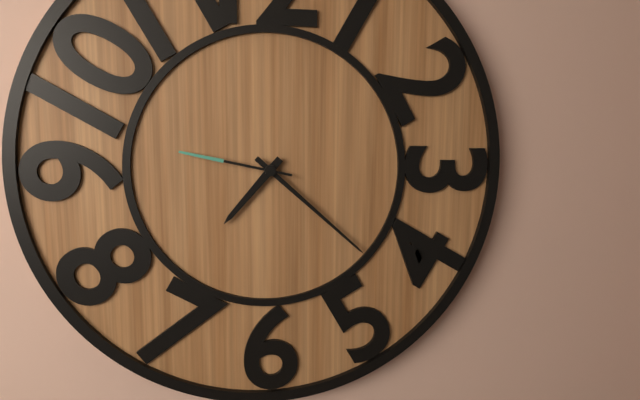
7:22:47
